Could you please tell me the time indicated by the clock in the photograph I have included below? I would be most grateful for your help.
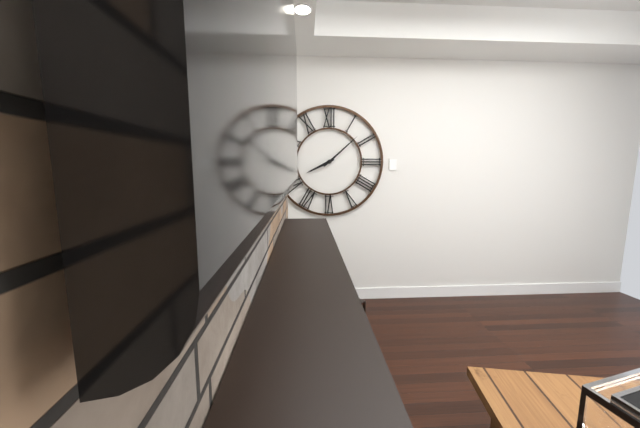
8:08
